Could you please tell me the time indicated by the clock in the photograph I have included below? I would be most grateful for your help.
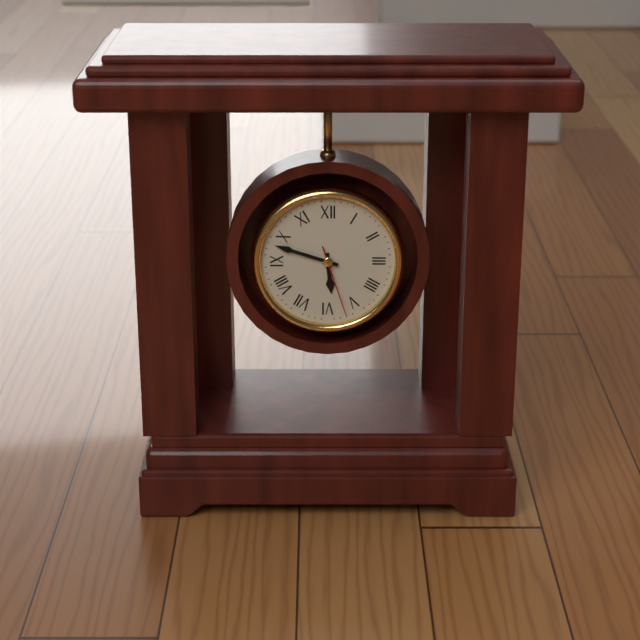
5:48:27
